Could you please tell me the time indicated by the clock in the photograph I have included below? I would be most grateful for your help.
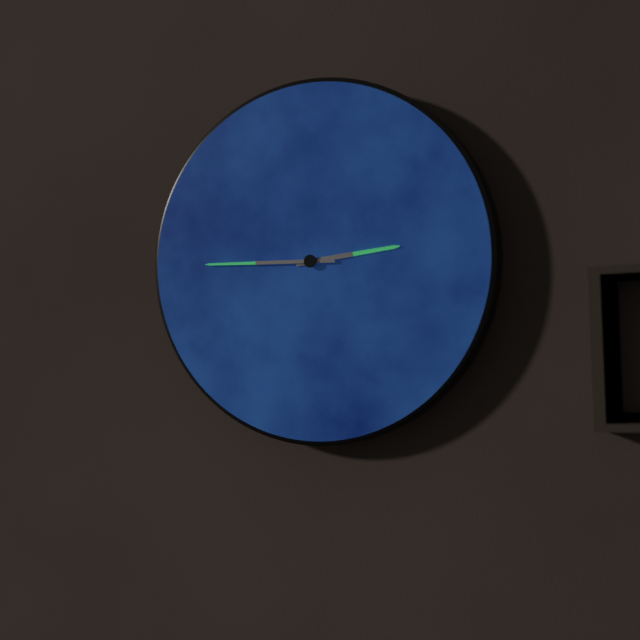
2:45
